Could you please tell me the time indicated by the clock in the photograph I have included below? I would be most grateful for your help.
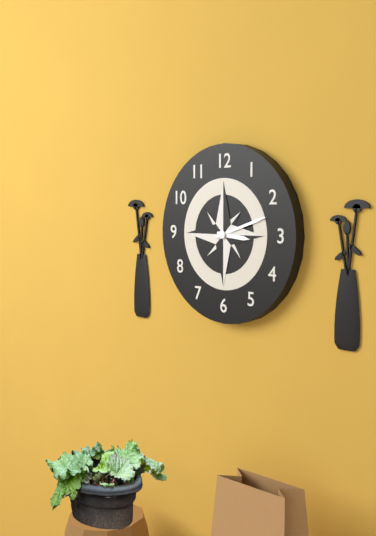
3:12
